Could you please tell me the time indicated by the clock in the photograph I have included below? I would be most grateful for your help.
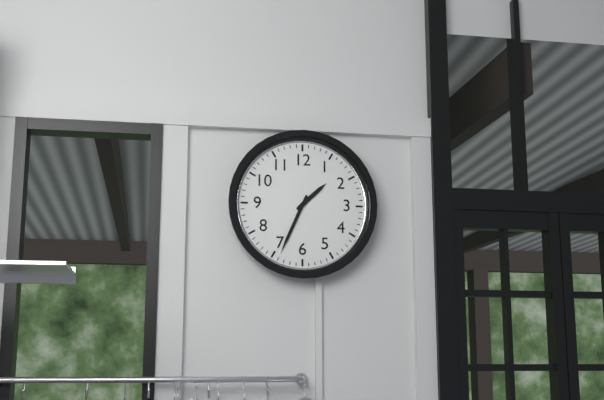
1:34
